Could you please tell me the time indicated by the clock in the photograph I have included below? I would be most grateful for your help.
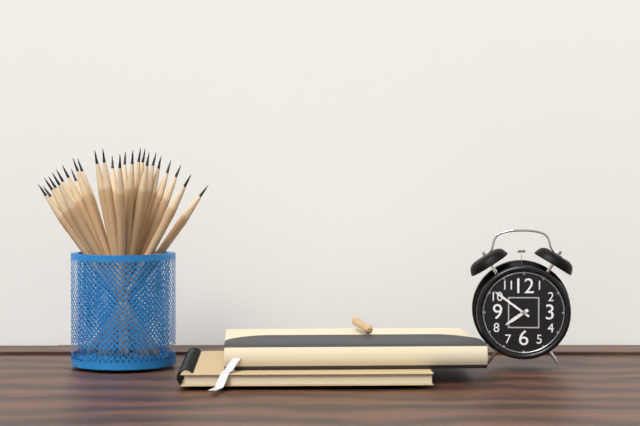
7:51
